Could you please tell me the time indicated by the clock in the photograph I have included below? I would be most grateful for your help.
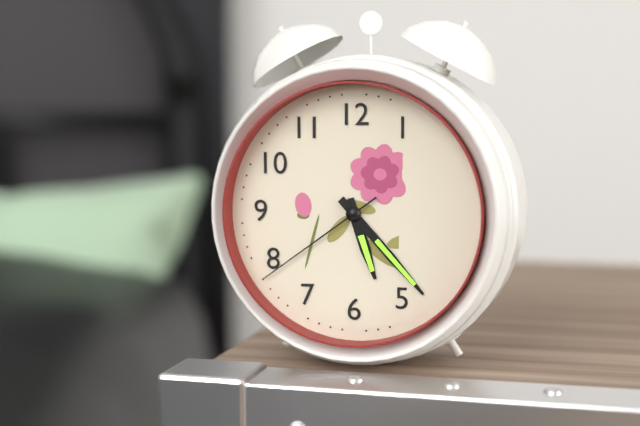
5:23:39
